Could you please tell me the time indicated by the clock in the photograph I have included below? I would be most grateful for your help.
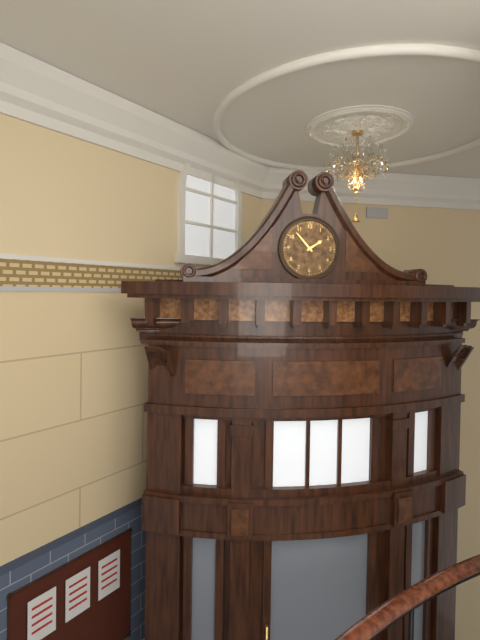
1:53
